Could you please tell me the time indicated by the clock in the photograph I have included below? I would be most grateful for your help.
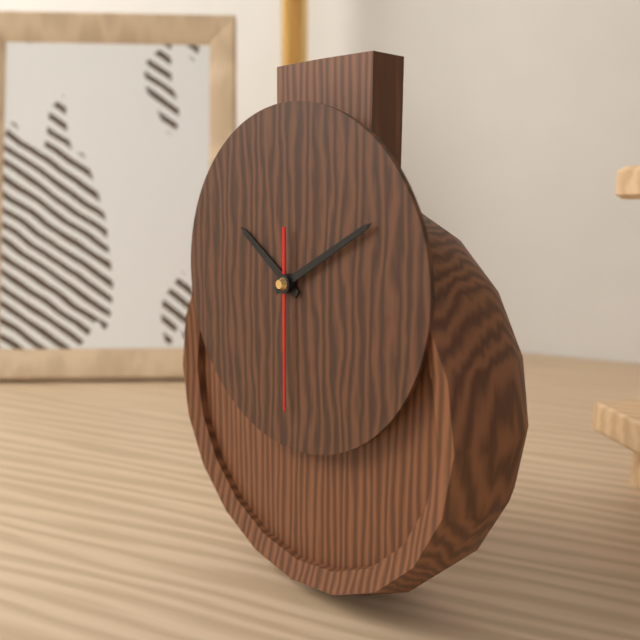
10:10:30
